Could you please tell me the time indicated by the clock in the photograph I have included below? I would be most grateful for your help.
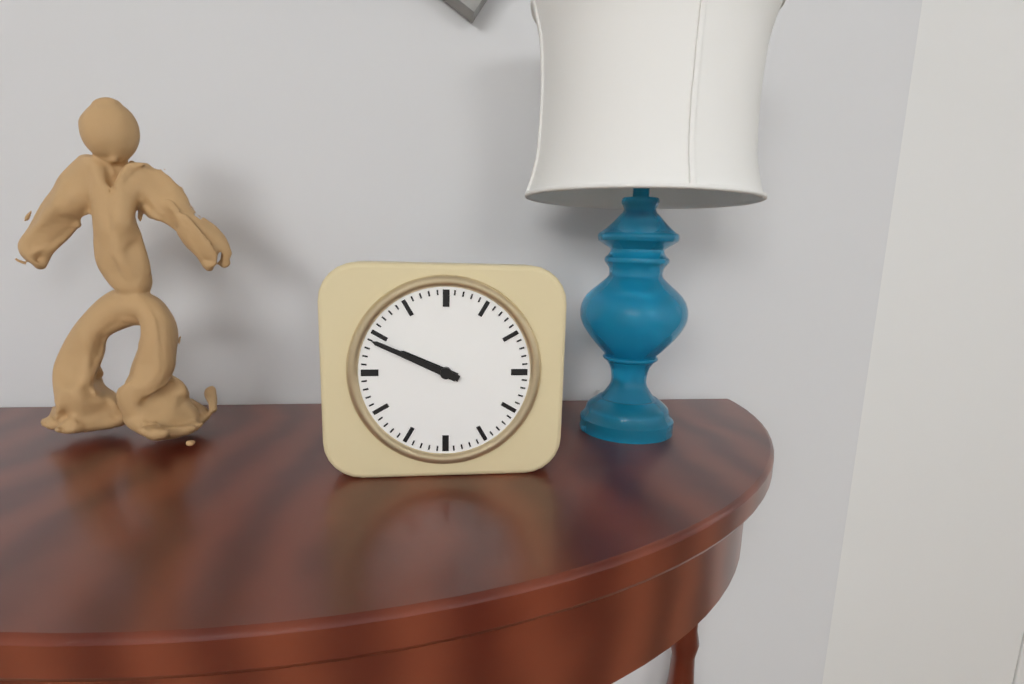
9:49
